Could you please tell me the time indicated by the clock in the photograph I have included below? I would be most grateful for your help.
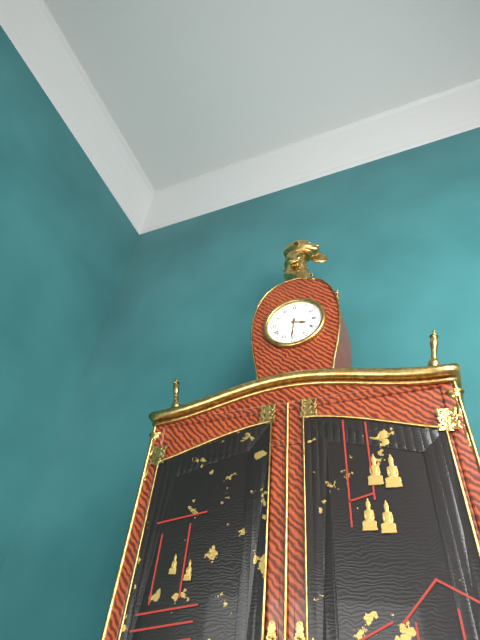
3:31
